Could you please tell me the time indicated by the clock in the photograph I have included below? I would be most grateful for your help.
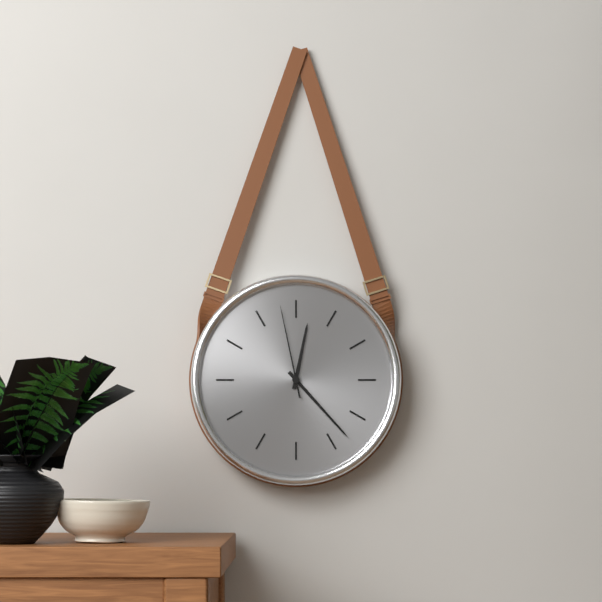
12:23:58
